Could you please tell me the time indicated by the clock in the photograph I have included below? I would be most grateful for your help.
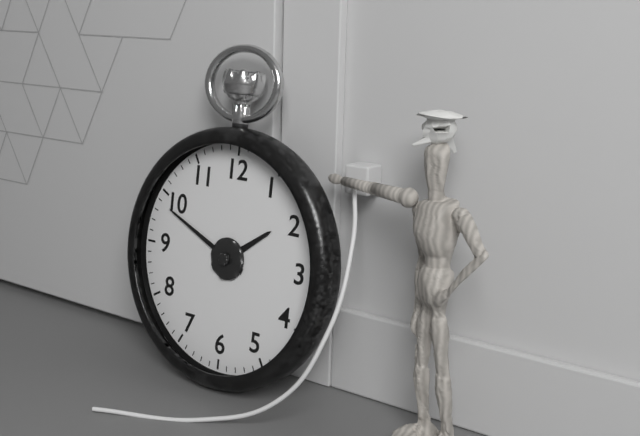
1:49
